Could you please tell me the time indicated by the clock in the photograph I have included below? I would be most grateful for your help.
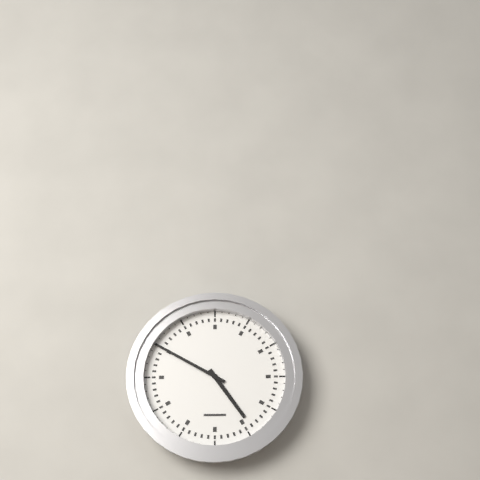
4:50
